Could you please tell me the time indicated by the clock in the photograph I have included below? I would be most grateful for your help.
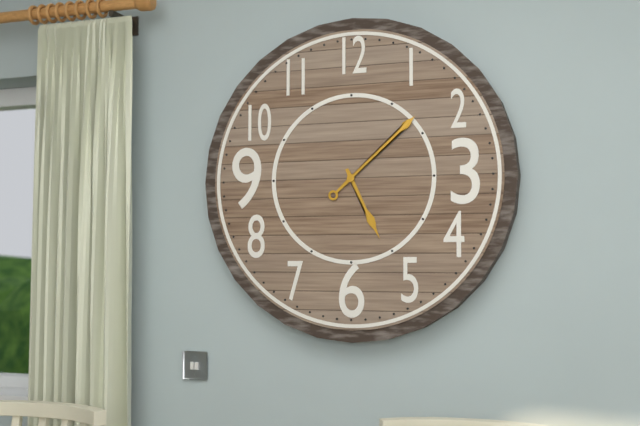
5:08
